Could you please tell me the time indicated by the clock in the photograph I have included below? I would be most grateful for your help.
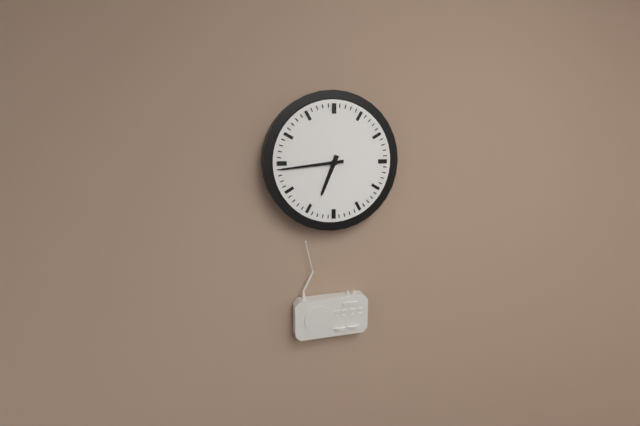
6:44
